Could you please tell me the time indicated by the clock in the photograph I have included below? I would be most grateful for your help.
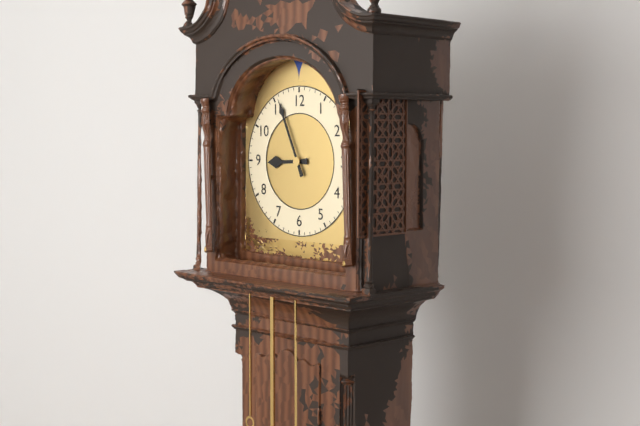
8:56
